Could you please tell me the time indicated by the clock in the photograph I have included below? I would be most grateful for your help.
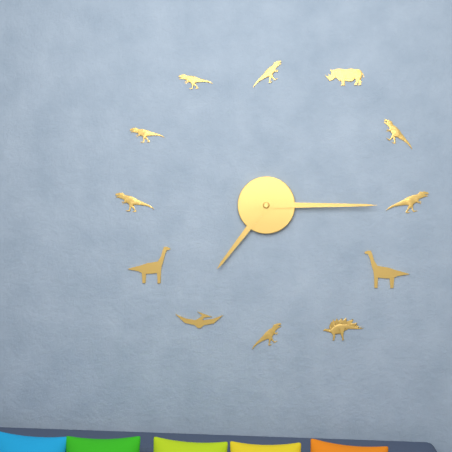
7:15
